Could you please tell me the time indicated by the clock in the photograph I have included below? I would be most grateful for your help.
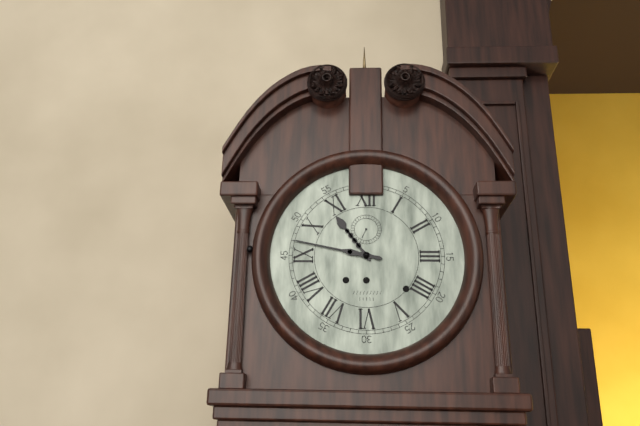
10:47
